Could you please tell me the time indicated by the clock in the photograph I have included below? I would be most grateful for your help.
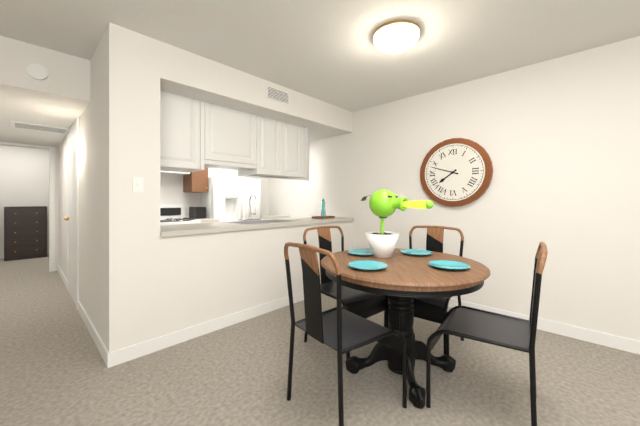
7:48
